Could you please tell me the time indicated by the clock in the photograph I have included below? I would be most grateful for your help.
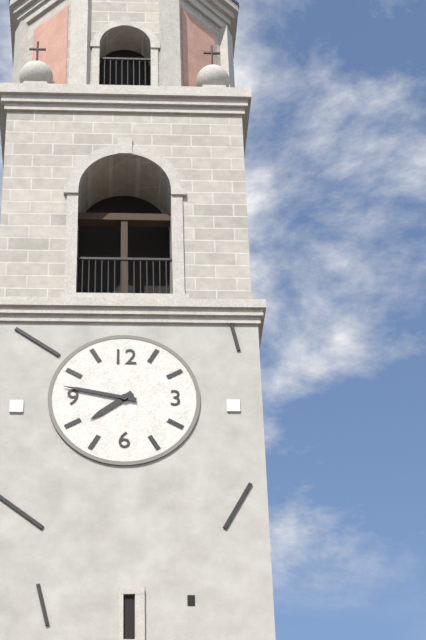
7:47
